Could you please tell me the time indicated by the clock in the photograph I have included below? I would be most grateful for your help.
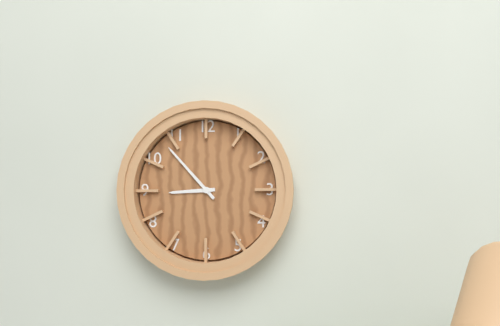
8:53
